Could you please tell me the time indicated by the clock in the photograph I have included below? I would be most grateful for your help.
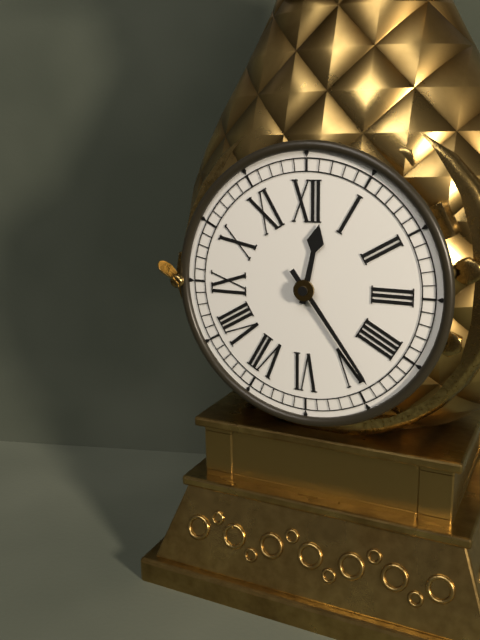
12:24
